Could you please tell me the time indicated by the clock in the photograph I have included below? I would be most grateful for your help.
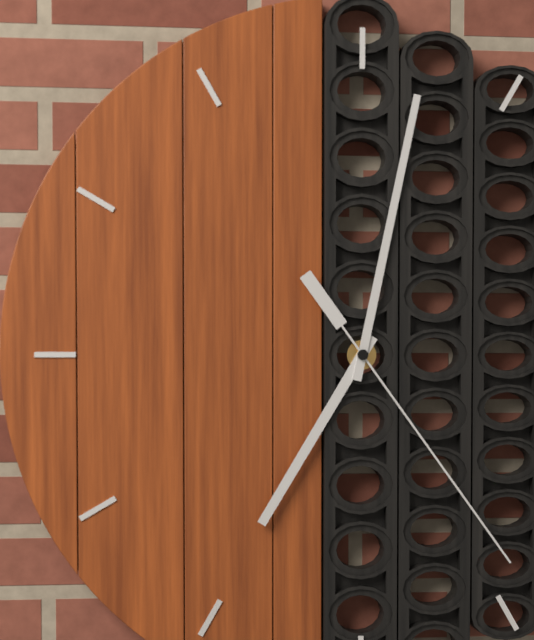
7:02:24
